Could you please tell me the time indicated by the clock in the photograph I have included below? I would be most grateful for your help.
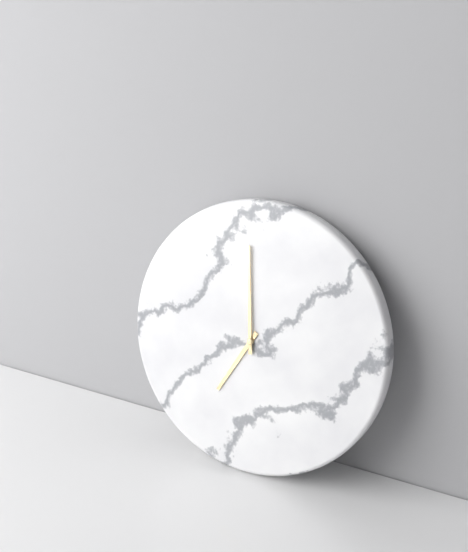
6:59
